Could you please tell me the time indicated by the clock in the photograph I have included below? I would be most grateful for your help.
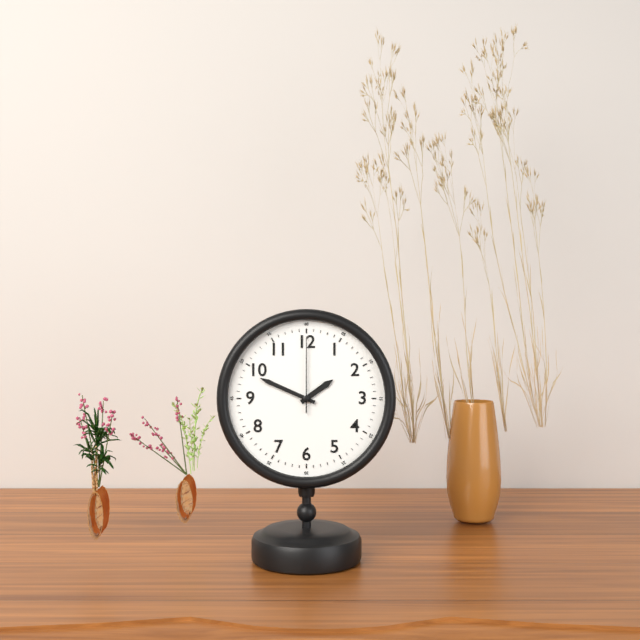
1:49:00
